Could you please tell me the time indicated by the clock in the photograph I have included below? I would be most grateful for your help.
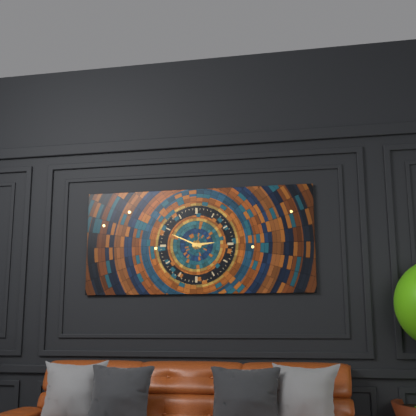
2:49
